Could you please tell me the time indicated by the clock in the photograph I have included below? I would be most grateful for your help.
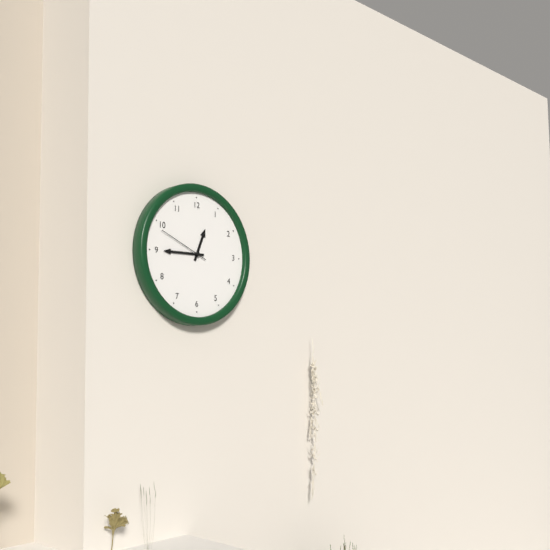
12:45:49
